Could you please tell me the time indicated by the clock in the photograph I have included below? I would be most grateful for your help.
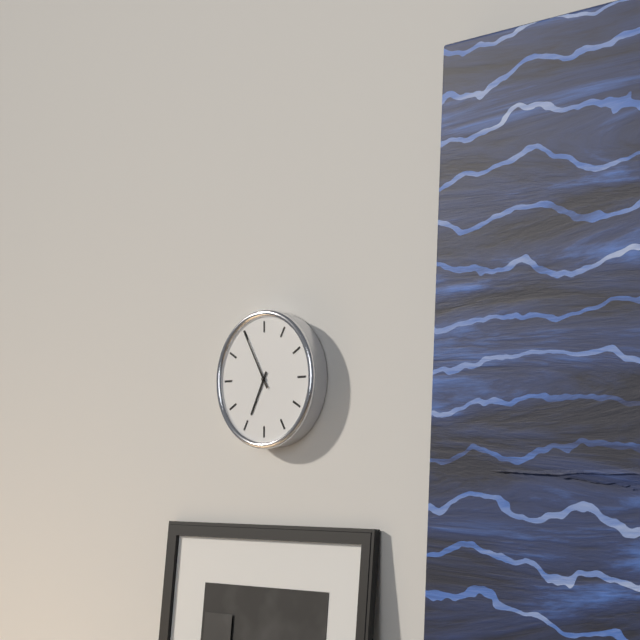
6:55
